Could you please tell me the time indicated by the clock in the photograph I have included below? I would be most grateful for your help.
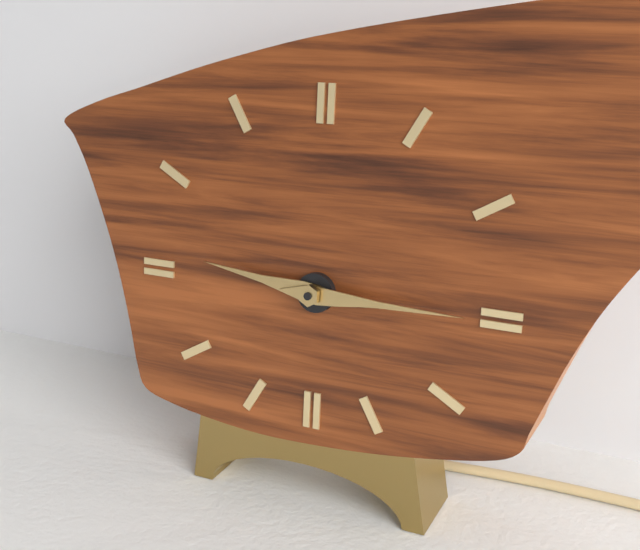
9:15
